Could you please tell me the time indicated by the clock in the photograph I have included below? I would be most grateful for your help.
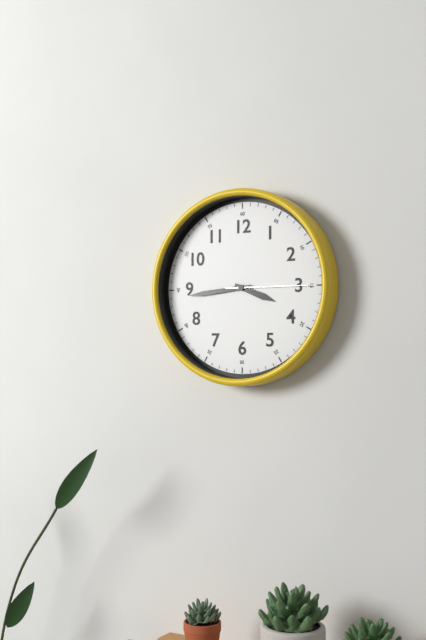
3:44:15
